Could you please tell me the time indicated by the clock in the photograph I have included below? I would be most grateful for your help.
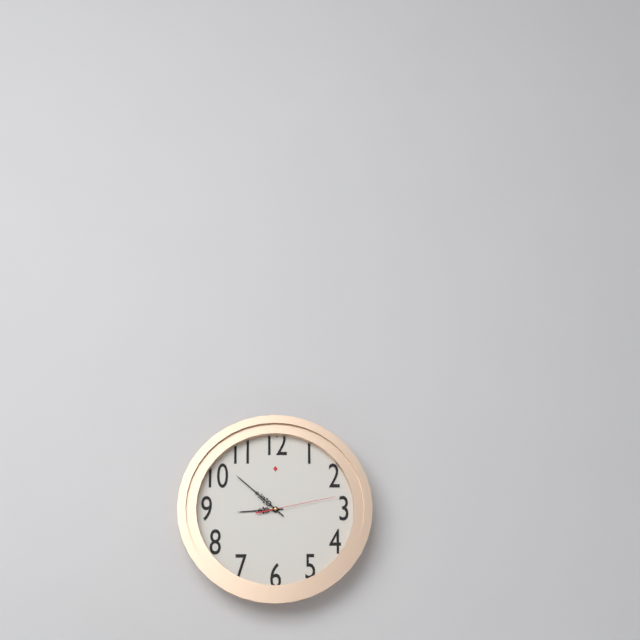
8:52:13
